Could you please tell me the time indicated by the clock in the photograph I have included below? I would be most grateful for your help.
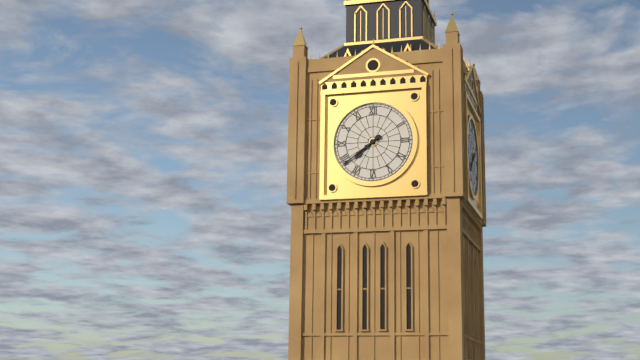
7:39
